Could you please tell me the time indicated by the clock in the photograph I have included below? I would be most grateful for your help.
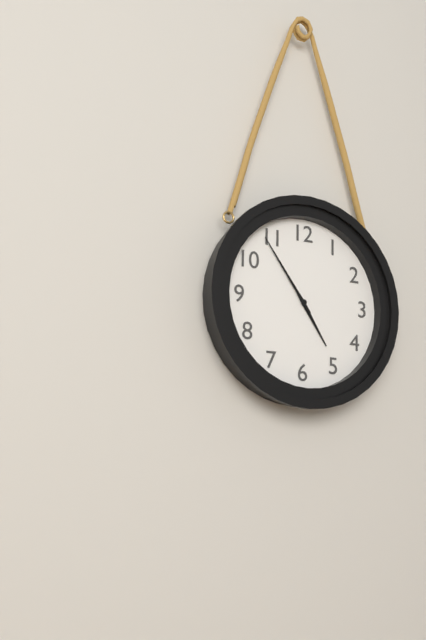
4:54
